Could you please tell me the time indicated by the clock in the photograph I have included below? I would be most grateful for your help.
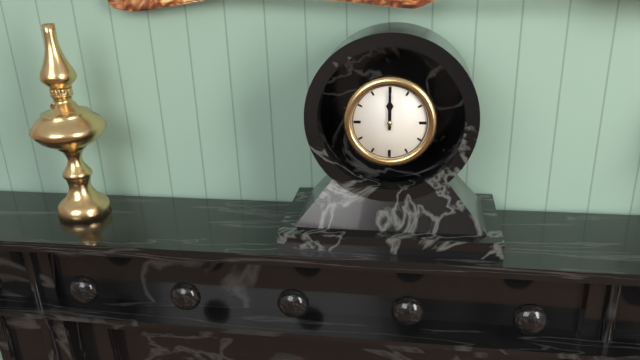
12:00
